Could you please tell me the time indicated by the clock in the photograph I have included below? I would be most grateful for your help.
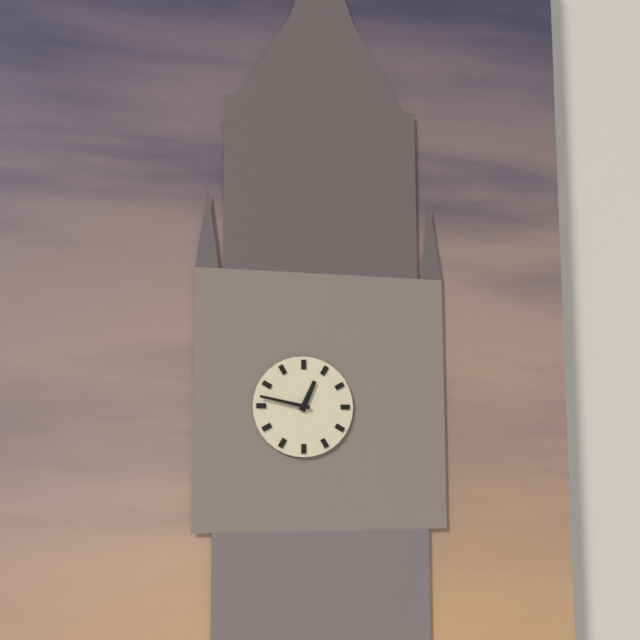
12:47
